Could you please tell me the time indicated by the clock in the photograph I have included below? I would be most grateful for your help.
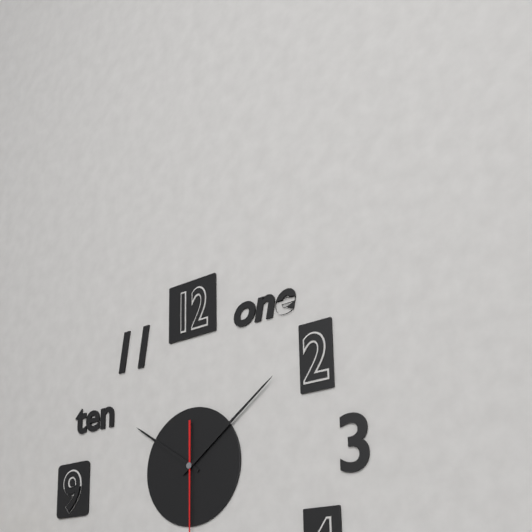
10:09
